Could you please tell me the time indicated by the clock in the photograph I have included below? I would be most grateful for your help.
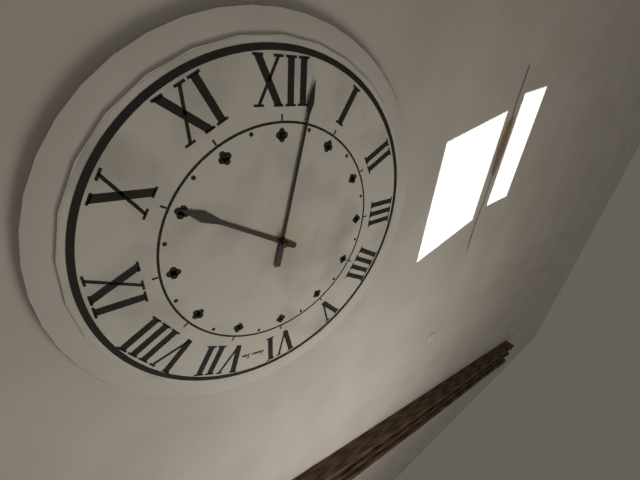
10:02
